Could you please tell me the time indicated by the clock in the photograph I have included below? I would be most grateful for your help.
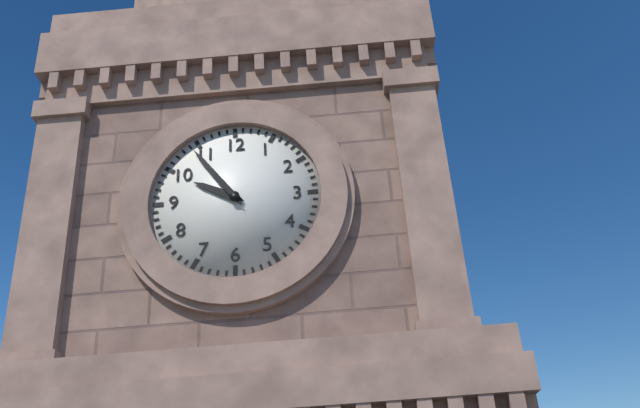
9:54
